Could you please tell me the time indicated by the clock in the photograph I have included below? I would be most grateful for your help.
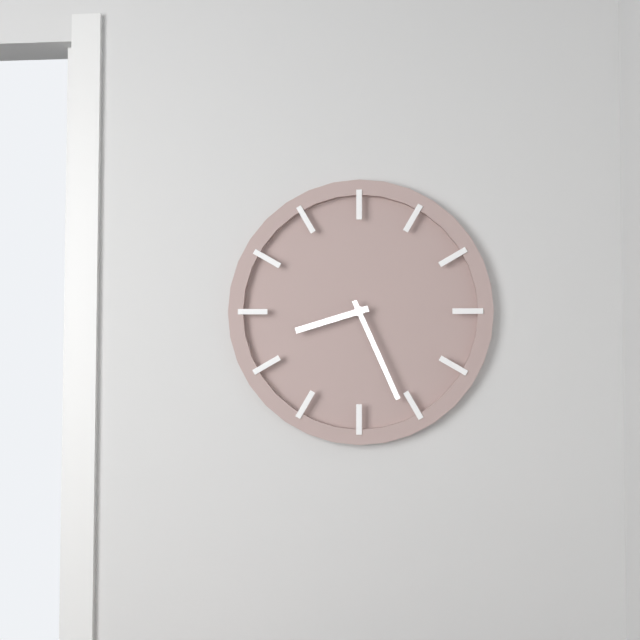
8:26
